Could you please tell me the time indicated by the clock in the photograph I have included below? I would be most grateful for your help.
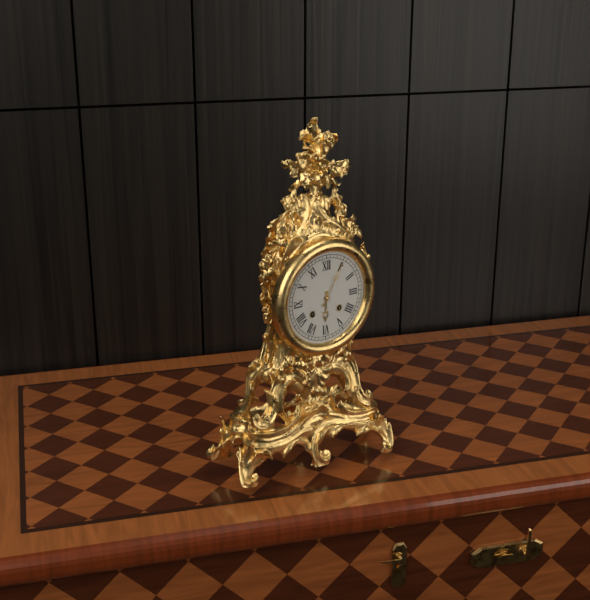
6:05
